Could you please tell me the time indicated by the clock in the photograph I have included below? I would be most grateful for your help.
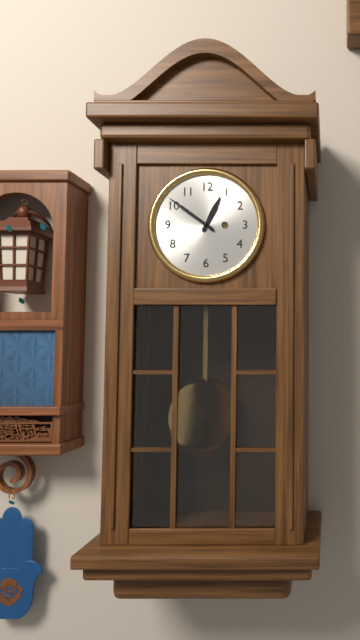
12:51
